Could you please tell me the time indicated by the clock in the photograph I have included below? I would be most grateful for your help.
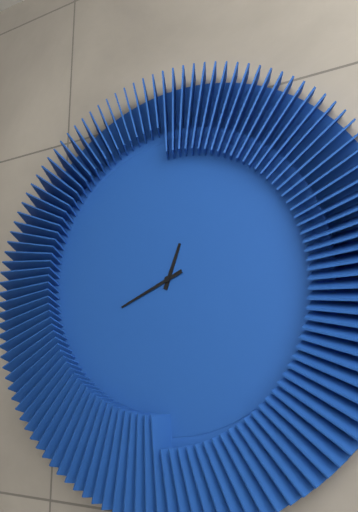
12:41
